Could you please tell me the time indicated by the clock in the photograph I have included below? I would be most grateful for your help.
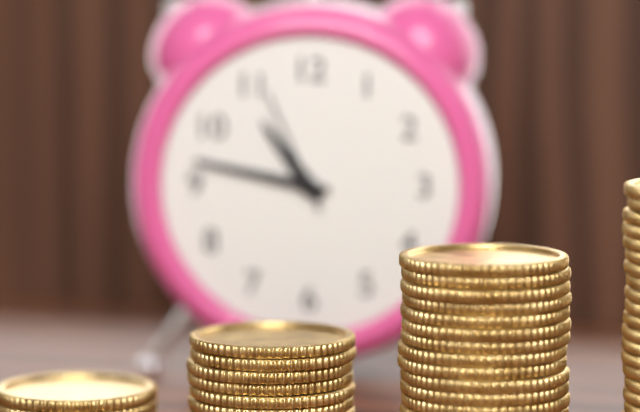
10:47:56
